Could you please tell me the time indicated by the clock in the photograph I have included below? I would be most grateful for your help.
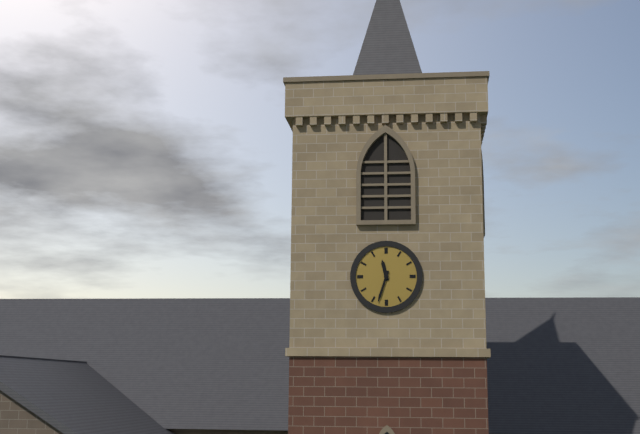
11:33
